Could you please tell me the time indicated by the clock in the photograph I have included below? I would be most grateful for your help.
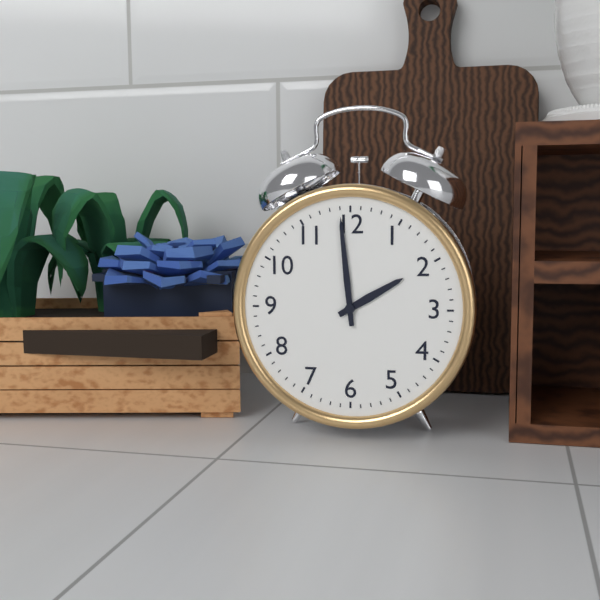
1:59
